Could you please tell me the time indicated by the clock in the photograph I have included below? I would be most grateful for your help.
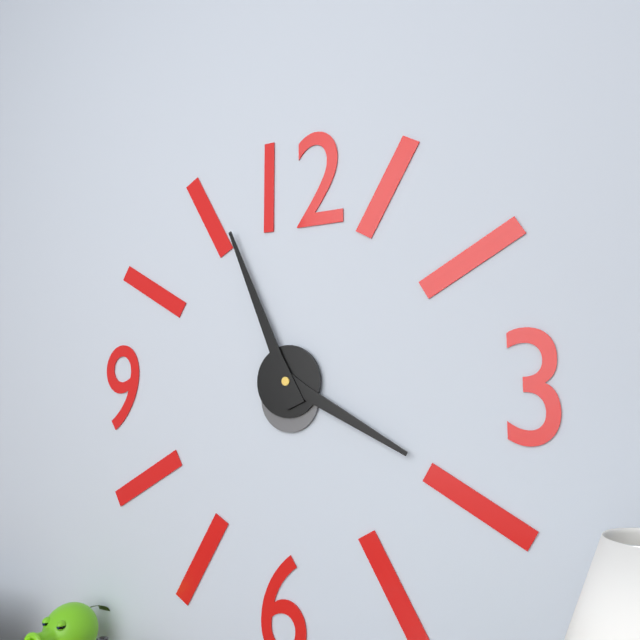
3:56
